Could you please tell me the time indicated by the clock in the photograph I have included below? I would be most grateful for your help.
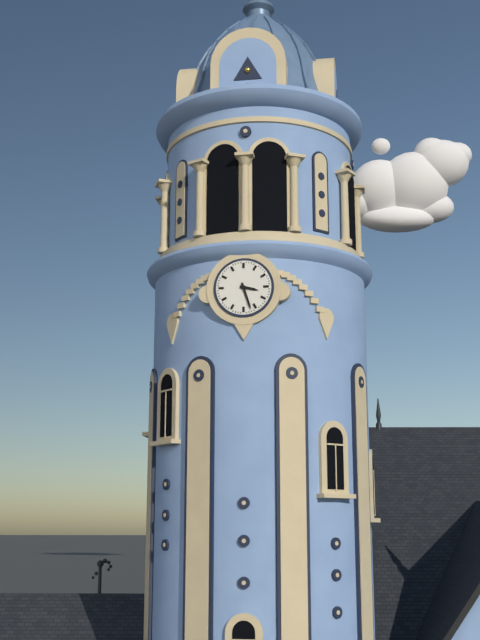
3:27
